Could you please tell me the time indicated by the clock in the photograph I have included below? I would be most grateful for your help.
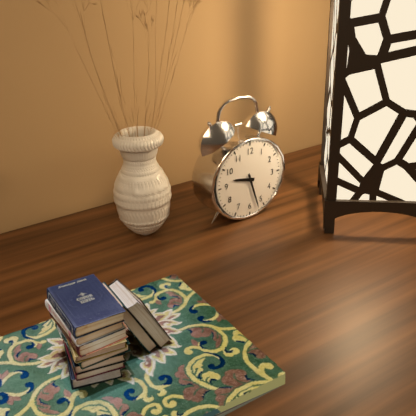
9:27
